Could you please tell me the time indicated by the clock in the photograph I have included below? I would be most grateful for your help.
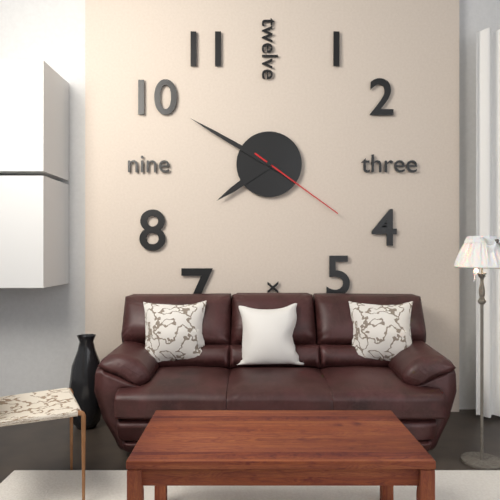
7:50:21
